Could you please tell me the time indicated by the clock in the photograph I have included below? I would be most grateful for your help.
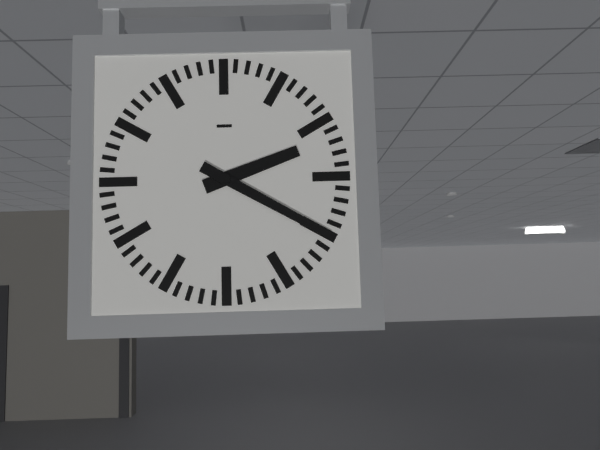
2:20
